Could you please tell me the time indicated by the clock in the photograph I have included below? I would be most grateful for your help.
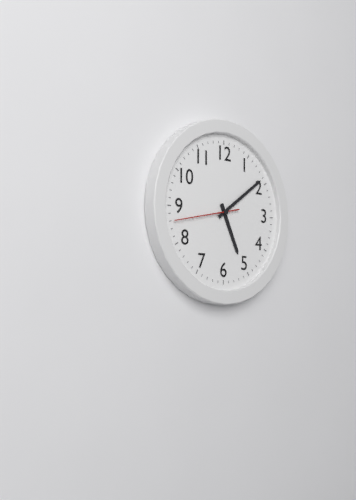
5:09:43
